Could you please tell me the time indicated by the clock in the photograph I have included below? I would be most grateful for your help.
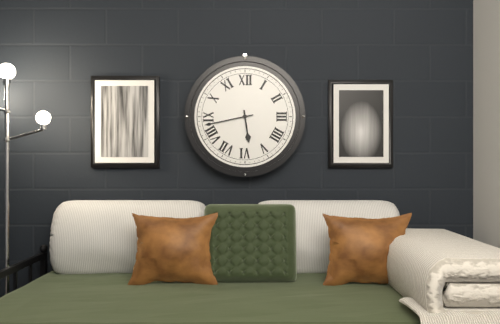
5:43
